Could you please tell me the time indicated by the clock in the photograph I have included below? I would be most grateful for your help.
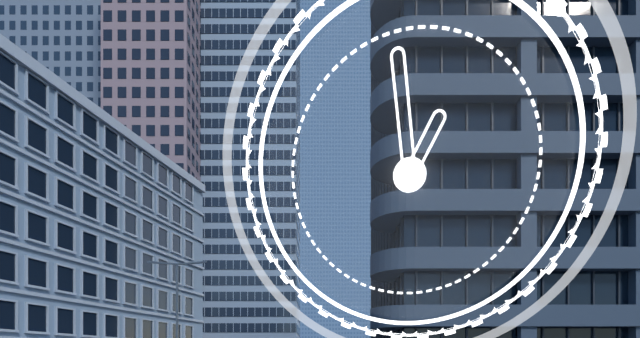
12:59
